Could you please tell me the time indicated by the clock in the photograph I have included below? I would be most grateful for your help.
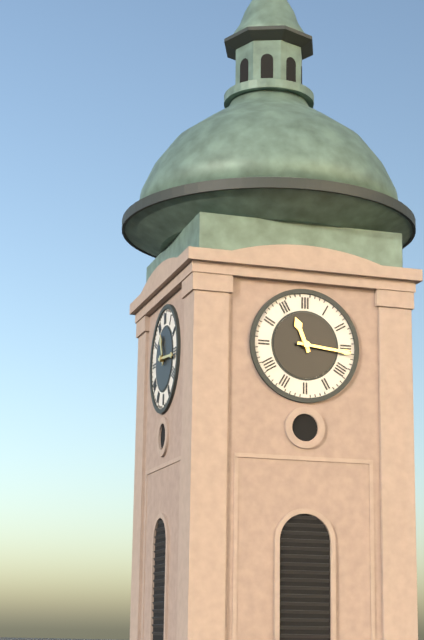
11:16
